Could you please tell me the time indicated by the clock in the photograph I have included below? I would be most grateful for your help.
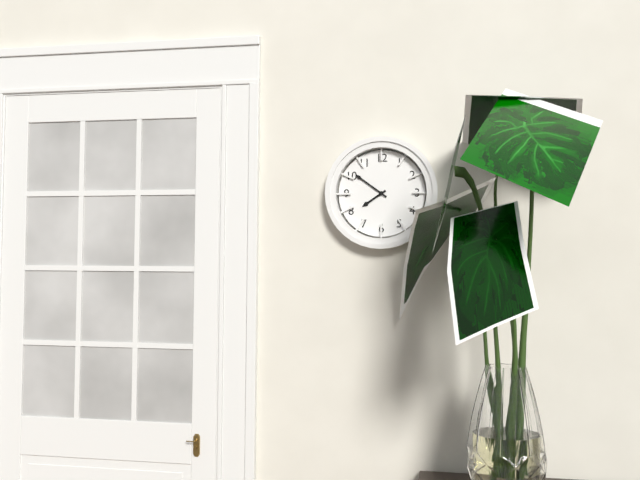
7:51
